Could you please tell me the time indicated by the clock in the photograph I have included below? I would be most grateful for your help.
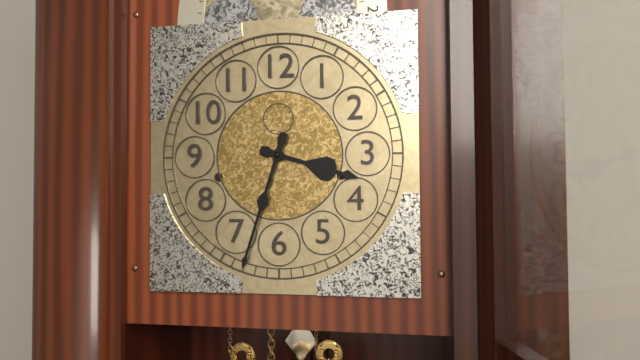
3:33
